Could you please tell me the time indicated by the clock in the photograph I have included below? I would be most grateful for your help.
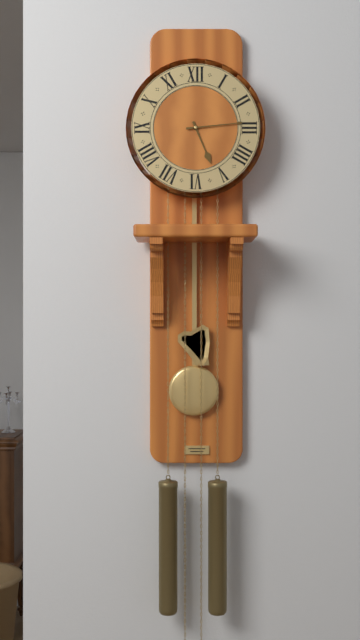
5:14
